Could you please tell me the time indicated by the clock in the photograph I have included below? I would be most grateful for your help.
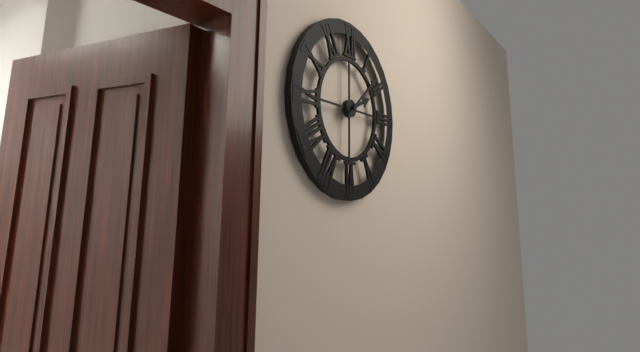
2:08
